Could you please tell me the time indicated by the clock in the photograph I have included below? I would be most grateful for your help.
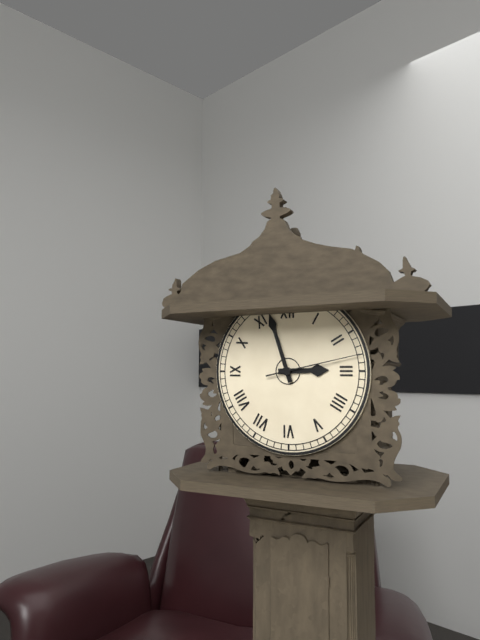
2:57:13
